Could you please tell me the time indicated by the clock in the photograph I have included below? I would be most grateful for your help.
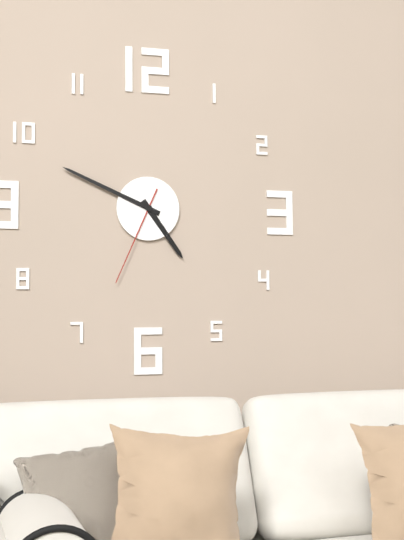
4:49:34
